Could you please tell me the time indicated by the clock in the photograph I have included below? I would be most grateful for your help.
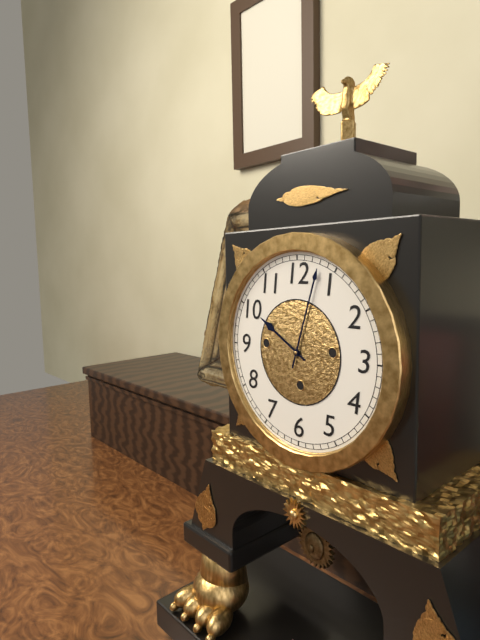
10:03
